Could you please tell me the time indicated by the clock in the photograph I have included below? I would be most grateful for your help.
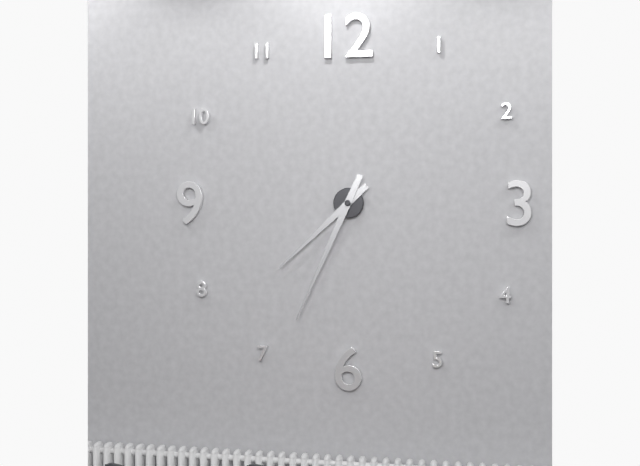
7:34
